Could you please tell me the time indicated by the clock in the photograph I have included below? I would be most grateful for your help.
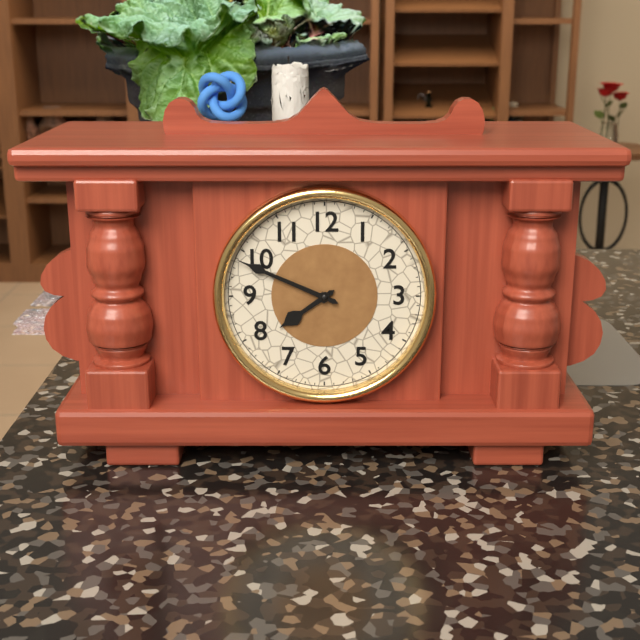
7:49
